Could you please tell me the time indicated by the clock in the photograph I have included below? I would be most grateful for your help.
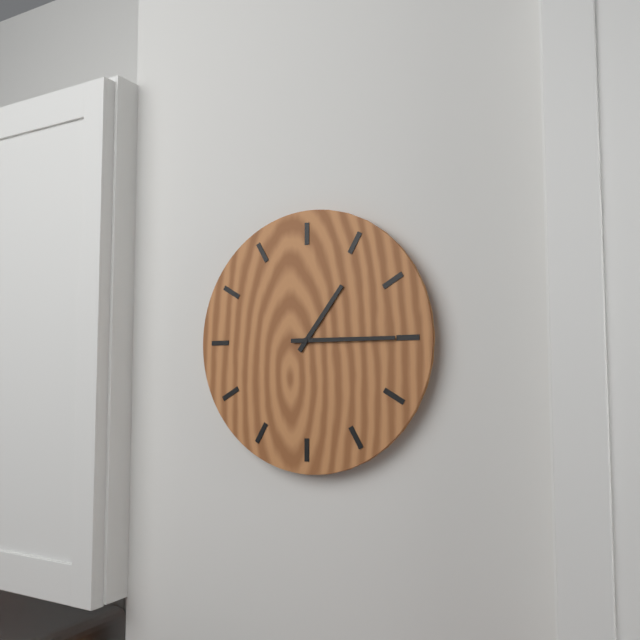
1:15
